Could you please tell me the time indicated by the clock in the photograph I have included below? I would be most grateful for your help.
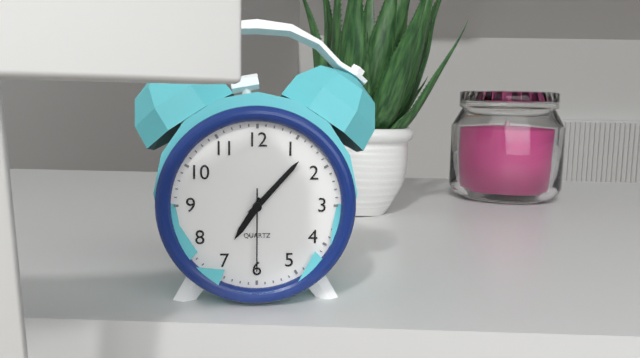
7:07:30
